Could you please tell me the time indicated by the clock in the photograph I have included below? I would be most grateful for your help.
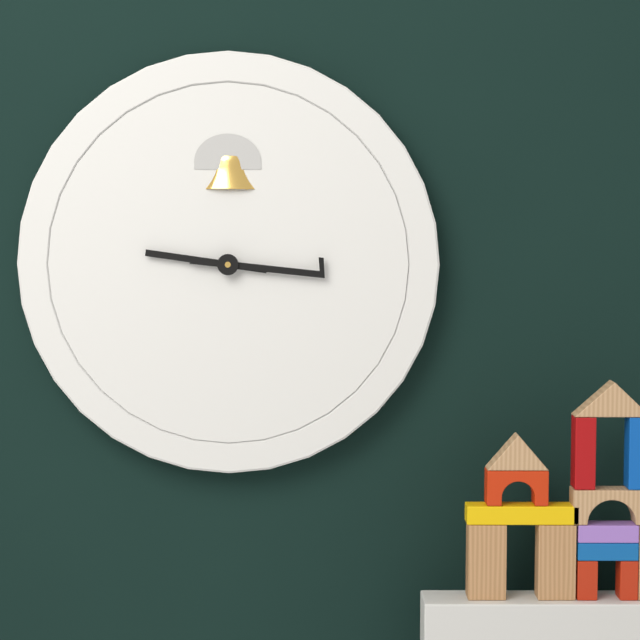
9:16
